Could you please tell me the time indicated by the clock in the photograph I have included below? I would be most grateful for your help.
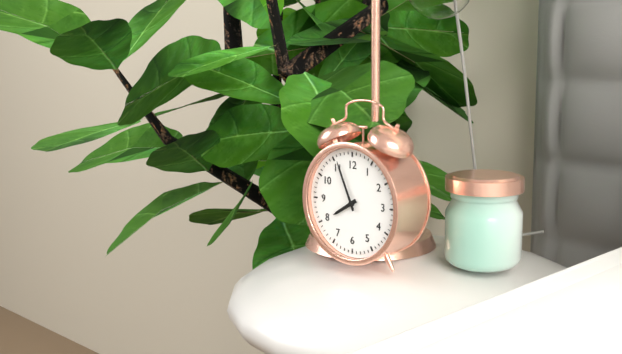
7:56
